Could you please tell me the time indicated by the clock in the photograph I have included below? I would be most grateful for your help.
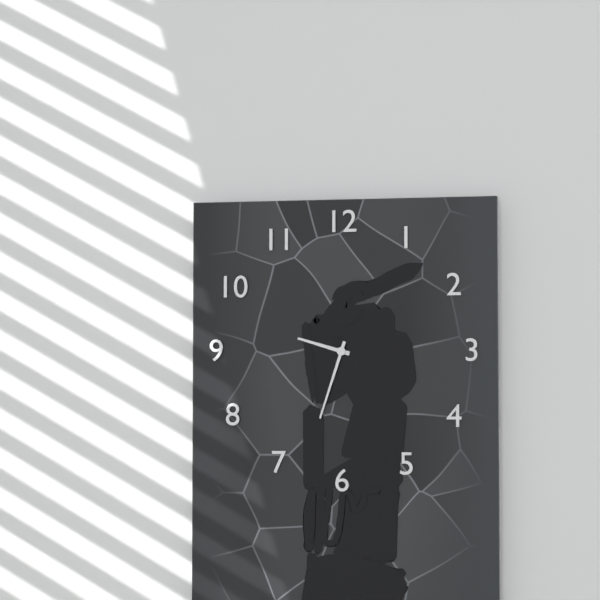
9:33
